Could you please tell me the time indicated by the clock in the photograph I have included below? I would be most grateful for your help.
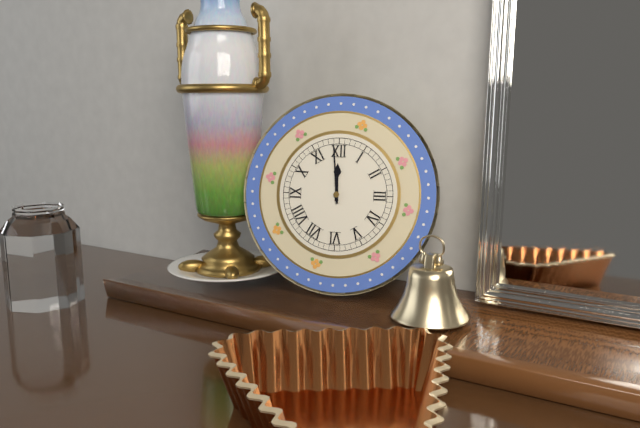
11:59
